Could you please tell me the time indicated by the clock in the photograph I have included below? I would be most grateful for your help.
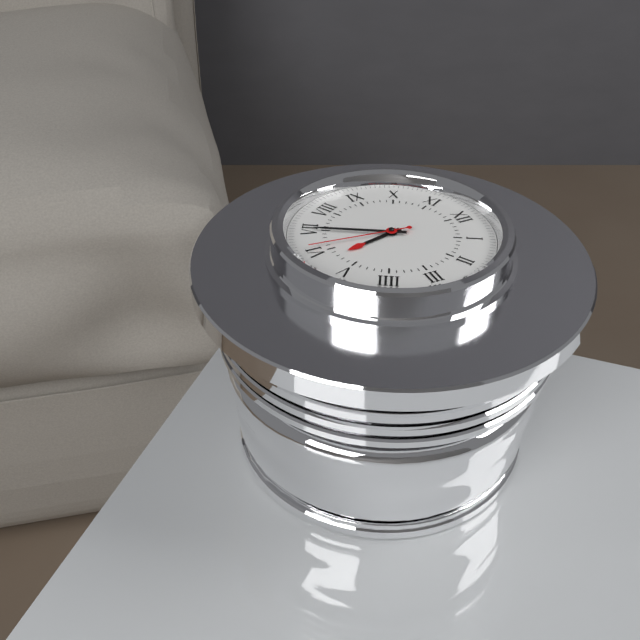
5:35:31
